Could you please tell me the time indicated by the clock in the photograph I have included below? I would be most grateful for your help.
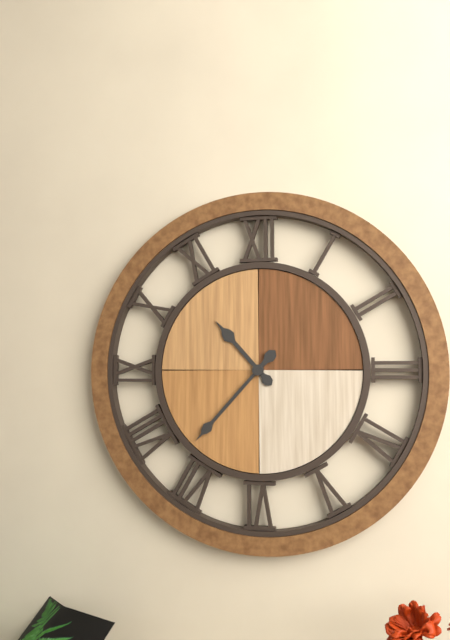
10:37
